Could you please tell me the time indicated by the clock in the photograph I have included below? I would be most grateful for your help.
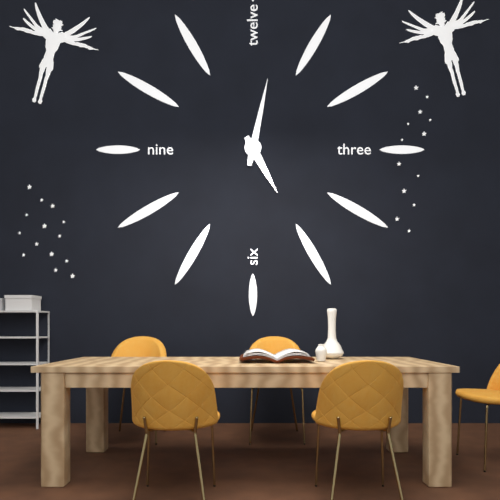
5:02
